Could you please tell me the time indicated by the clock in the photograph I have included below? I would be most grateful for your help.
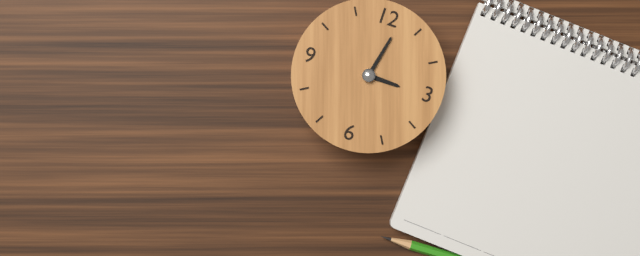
3:02
